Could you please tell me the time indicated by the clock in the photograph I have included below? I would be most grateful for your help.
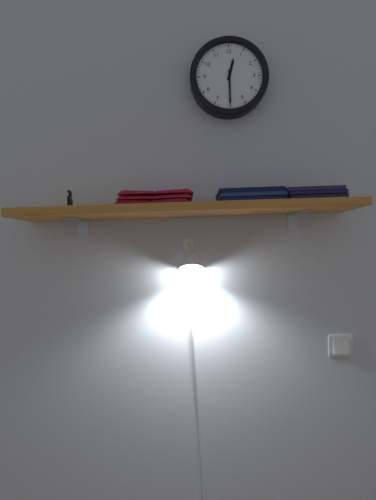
12:30
